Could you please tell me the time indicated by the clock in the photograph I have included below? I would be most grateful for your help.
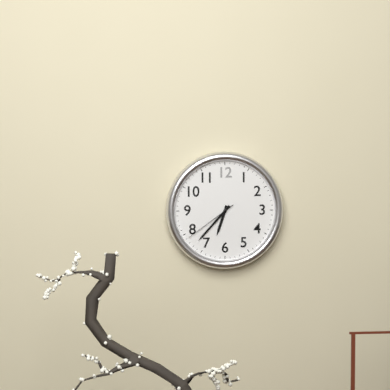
6:37:39
